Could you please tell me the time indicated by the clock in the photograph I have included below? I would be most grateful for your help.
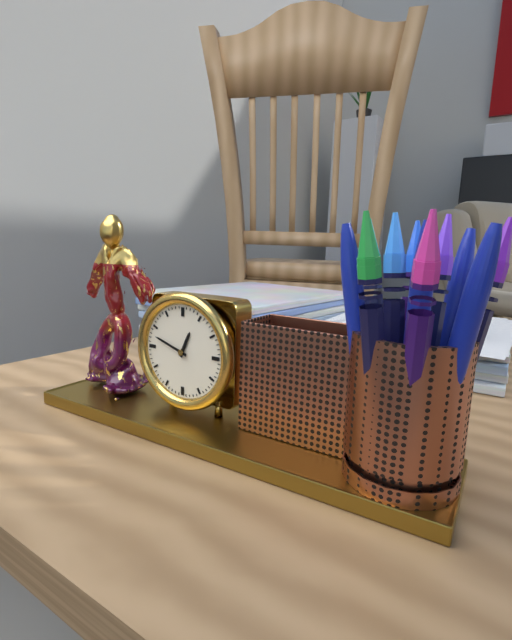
12:48
